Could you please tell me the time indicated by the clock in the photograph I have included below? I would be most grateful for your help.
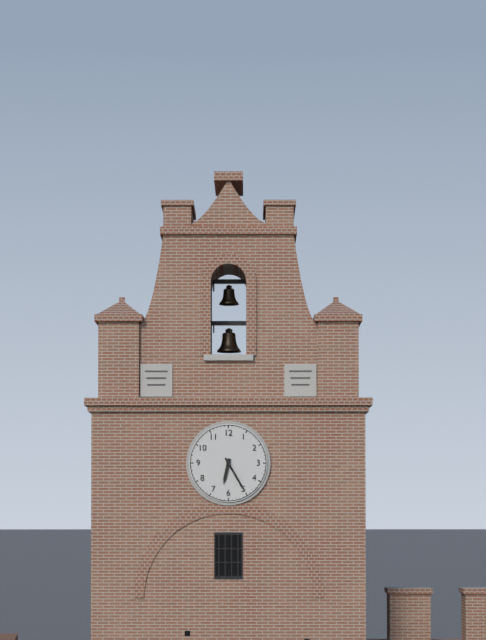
6:25
